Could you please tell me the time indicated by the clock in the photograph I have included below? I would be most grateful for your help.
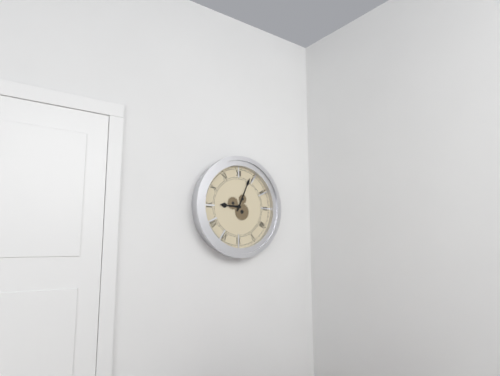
9:04
